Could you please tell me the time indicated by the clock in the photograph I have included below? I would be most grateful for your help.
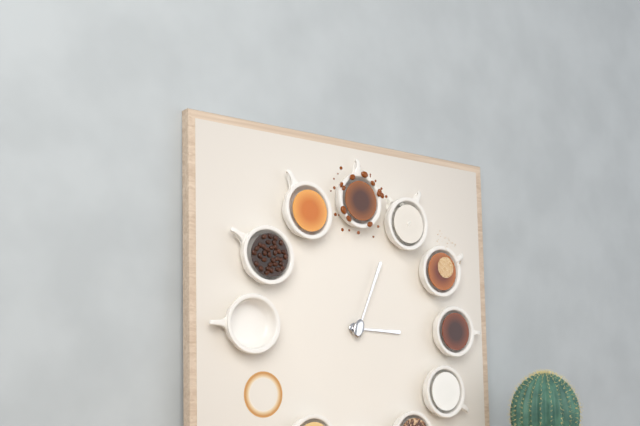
3:04
